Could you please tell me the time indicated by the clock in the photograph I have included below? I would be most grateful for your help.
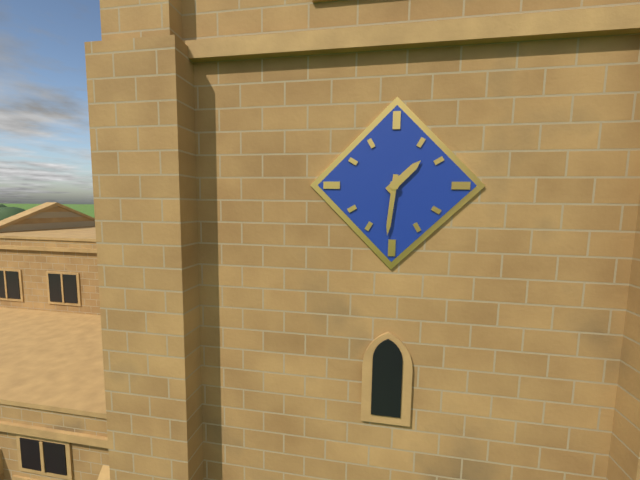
1:31
